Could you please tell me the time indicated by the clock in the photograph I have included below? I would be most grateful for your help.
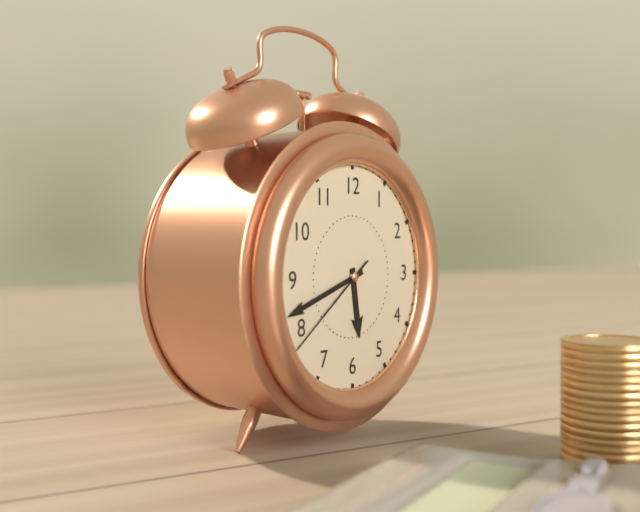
5:42:39
